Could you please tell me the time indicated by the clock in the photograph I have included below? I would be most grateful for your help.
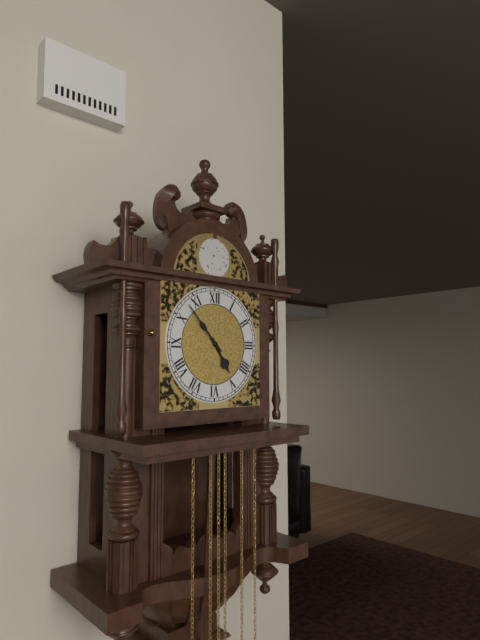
4:53
